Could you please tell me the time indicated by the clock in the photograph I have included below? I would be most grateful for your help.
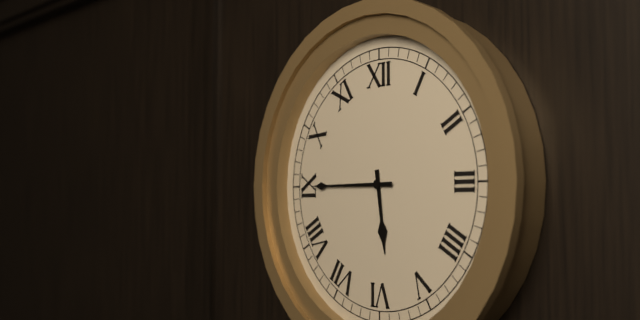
5:45
